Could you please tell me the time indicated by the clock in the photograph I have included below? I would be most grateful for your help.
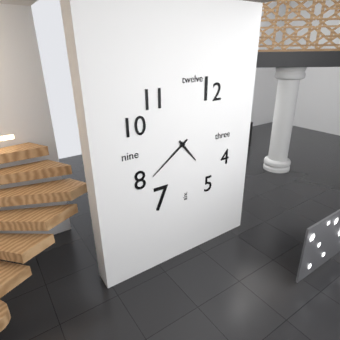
4:39
